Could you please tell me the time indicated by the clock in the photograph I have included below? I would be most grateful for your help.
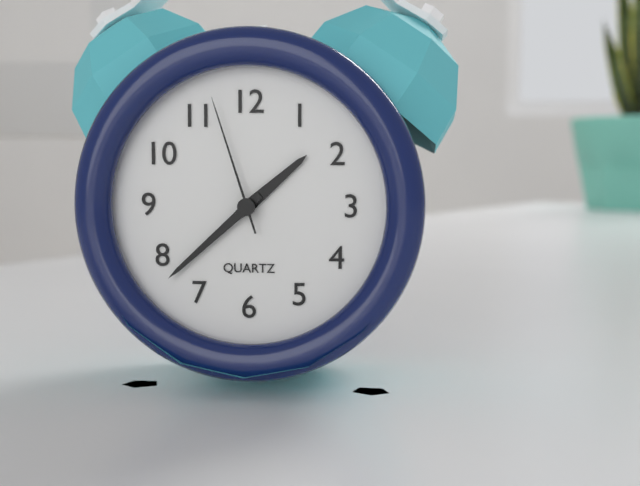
1:38:57
